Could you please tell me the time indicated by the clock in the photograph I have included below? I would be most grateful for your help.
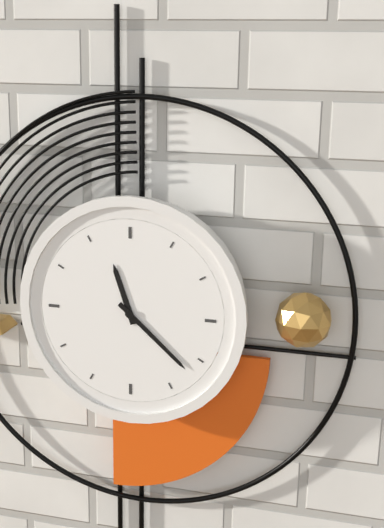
11:22
